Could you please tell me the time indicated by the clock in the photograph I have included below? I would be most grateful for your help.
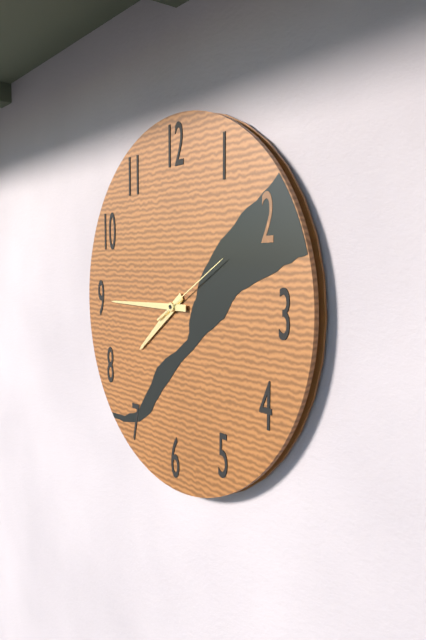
7:45:10
